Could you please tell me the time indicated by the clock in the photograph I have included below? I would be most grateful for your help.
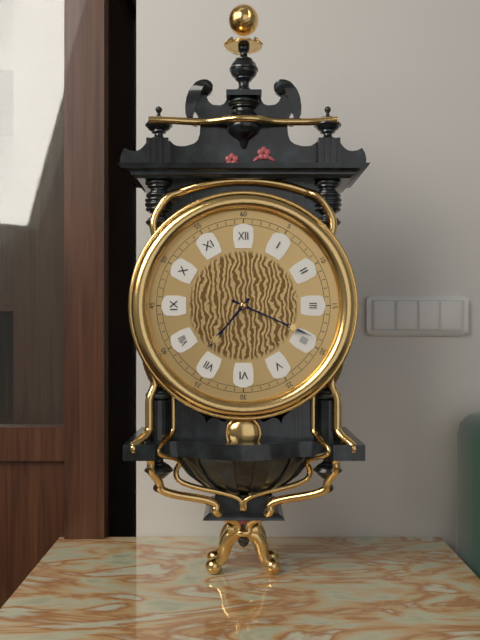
7:19
